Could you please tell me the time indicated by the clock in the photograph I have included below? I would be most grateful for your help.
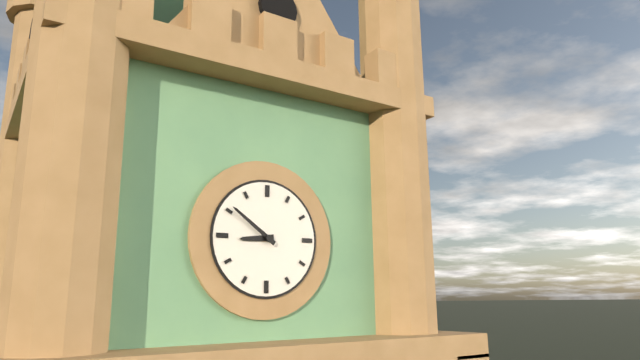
8:51
